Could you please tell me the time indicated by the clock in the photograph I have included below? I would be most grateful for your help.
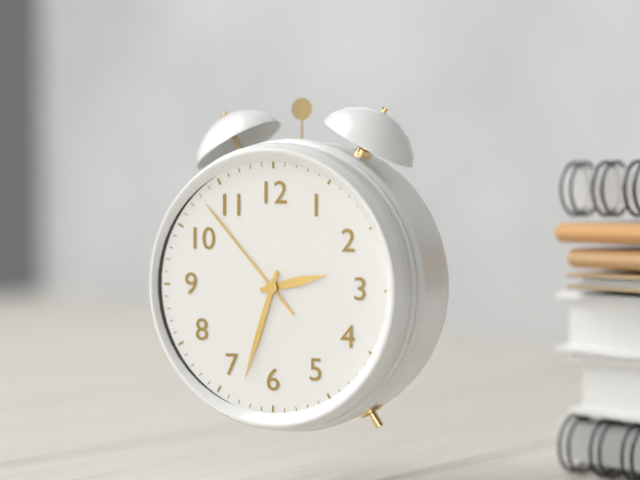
2:33:53
